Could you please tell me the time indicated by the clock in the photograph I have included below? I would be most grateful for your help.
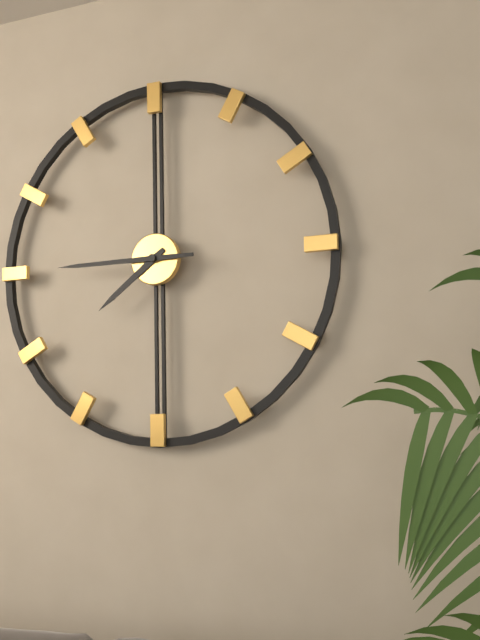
7:45
